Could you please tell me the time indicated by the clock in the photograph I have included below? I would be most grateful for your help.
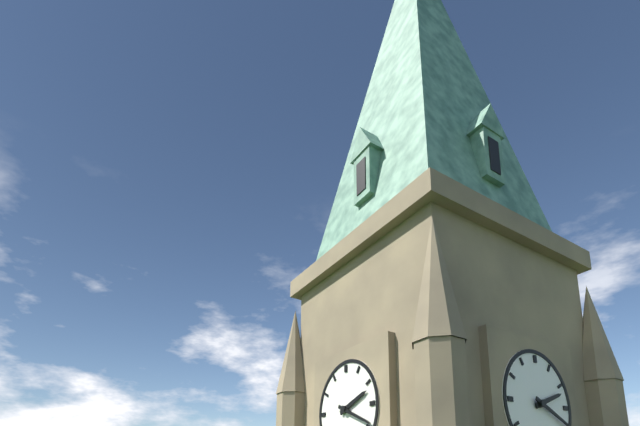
2:19
